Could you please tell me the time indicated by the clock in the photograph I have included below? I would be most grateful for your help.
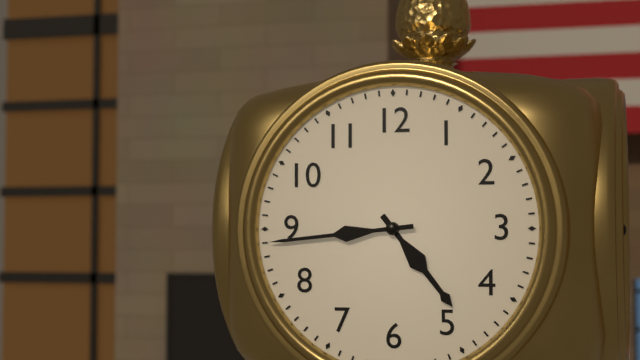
4:44
